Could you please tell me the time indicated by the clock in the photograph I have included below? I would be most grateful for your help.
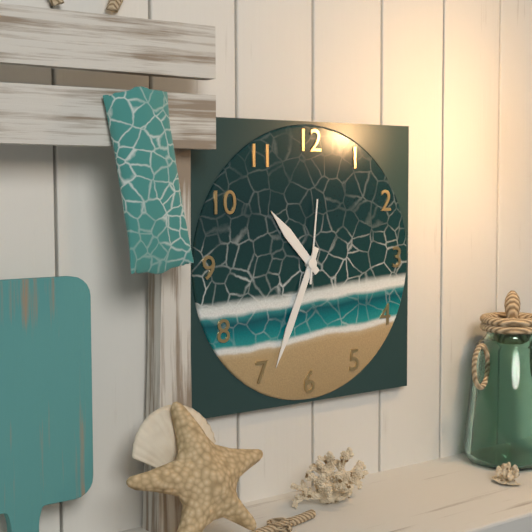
10:34:01
